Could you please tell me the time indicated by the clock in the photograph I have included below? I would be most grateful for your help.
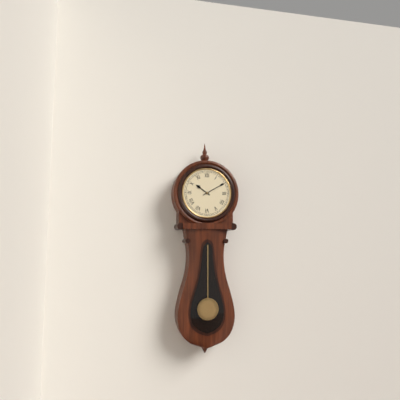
10:10
